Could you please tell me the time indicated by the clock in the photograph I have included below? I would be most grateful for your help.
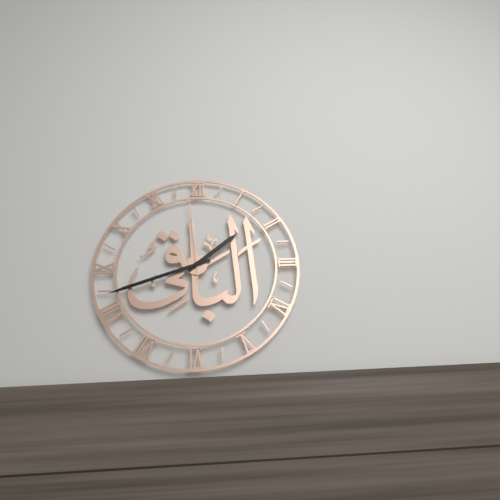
1:42:59
